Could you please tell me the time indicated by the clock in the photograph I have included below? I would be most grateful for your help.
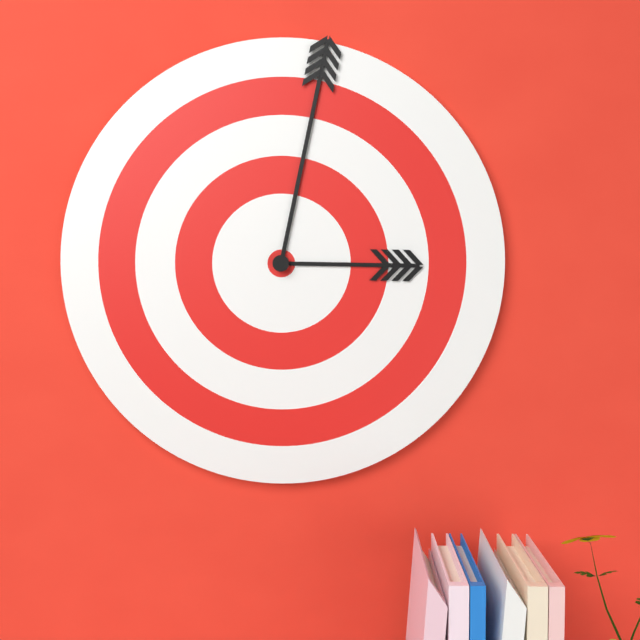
3:02
